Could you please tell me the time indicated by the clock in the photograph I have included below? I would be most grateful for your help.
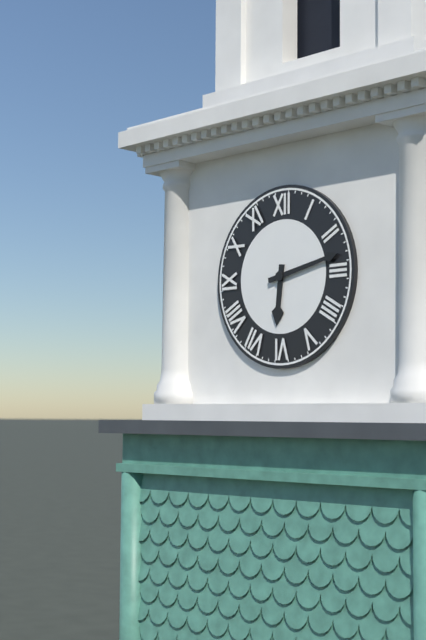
6:13
